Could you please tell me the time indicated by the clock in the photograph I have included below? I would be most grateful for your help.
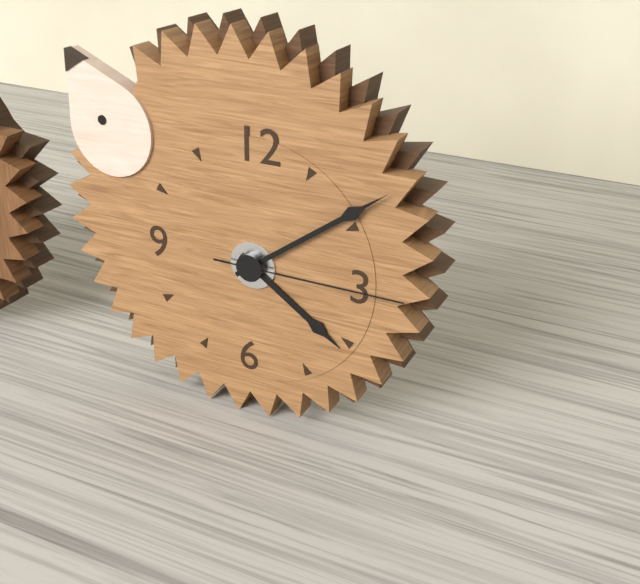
4:09:15
